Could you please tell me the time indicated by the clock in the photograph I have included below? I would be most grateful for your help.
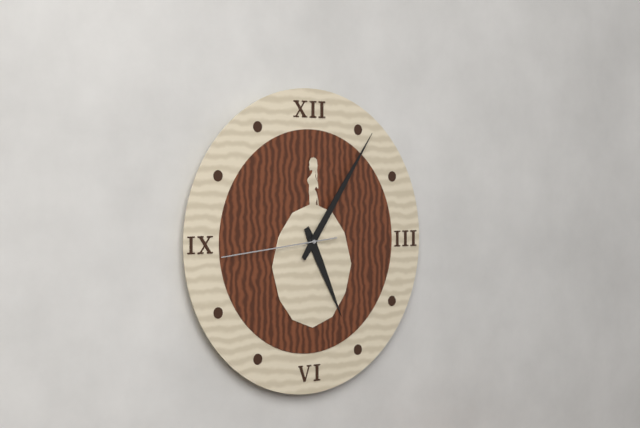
5:06:44
